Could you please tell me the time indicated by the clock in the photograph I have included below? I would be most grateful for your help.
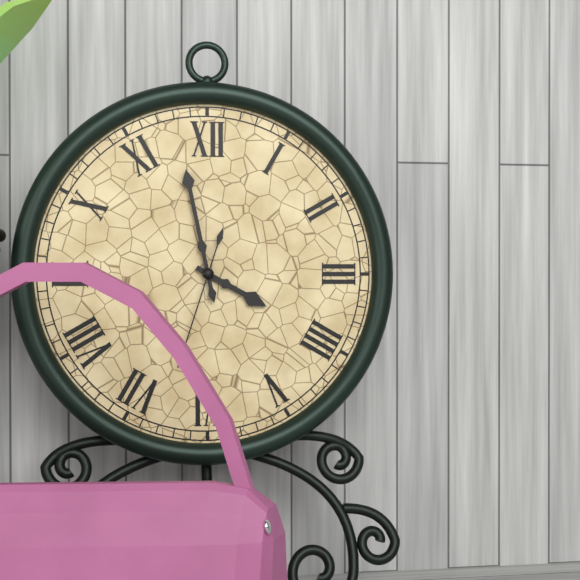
3:58:33
